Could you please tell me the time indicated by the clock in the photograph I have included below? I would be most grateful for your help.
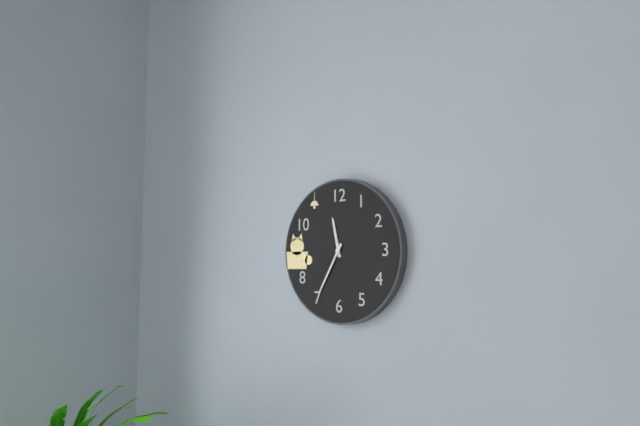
11:35
